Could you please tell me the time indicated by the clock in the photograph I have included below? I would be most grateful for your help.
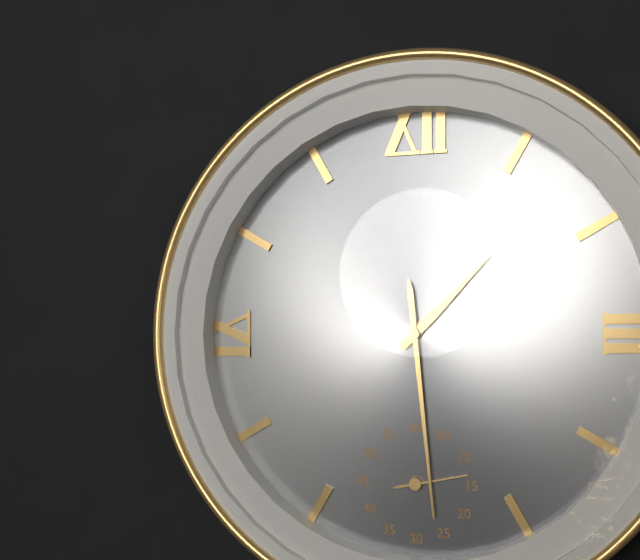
1:29:13
